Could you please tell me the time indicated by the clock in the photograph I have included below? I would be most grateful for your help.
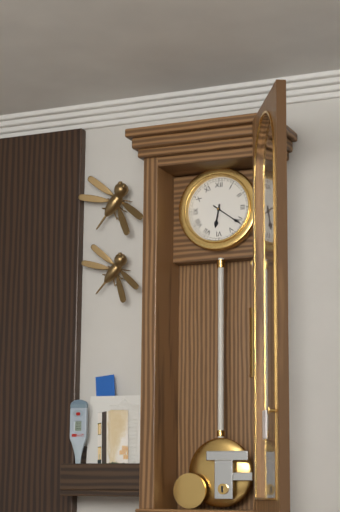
6:21
